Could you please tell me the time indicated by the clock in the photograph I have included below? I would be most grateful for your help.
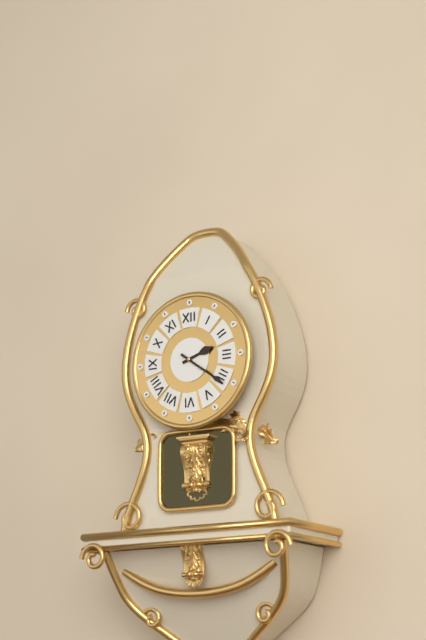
2:21
